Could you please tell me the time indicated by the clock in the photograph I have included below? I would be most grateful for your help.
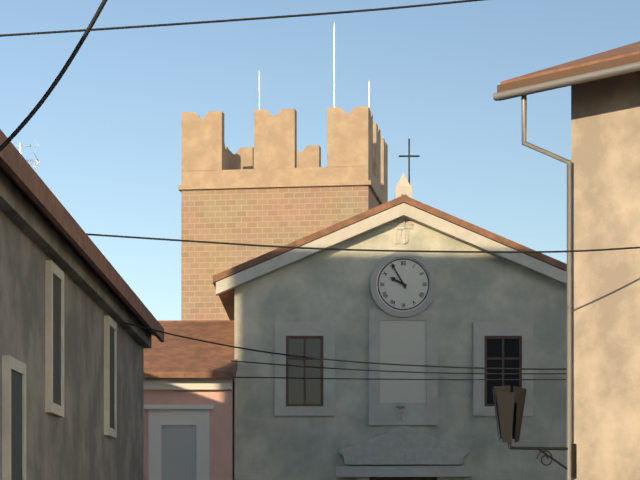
9:55
